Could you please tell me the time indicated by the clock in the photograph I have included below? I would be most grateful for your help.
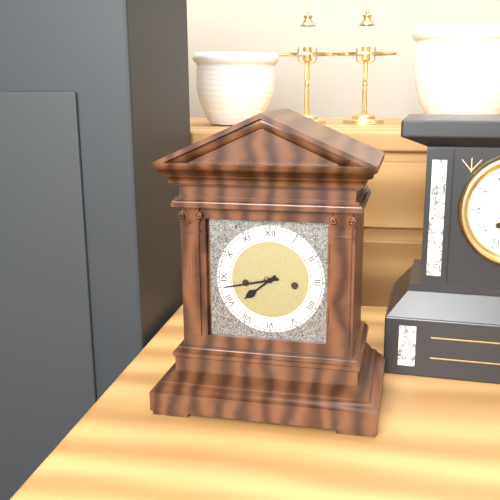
7:43
